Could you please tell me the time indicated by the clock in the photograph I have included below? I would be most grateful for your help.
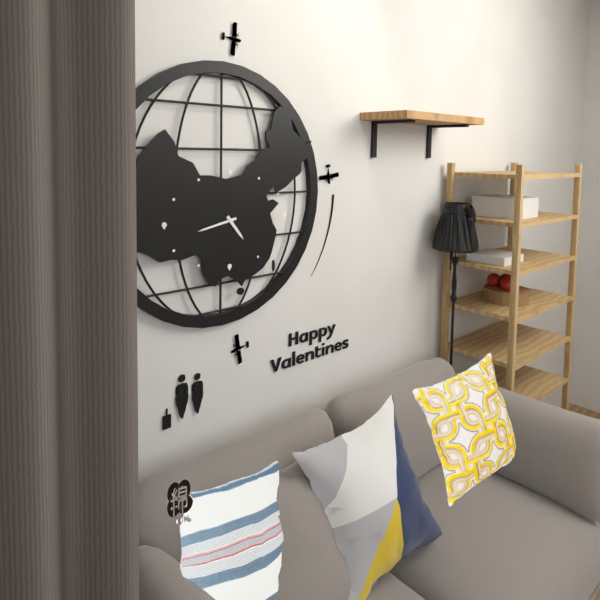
4:43
